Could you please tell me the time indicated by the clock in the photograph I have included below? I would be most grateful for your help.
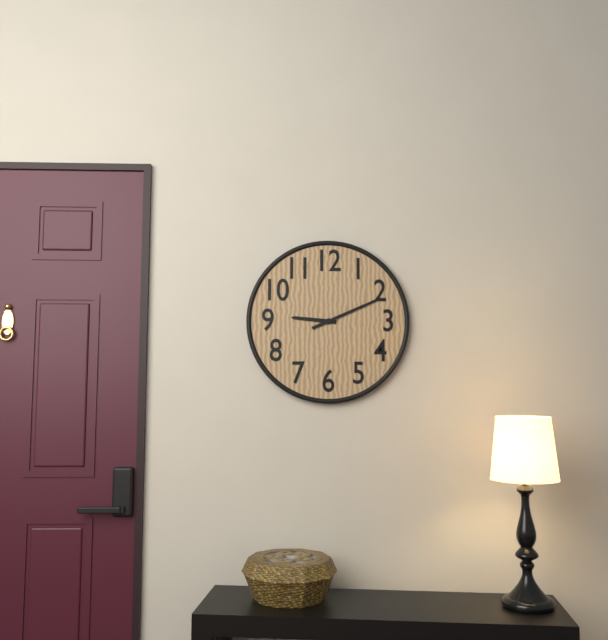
9:11
